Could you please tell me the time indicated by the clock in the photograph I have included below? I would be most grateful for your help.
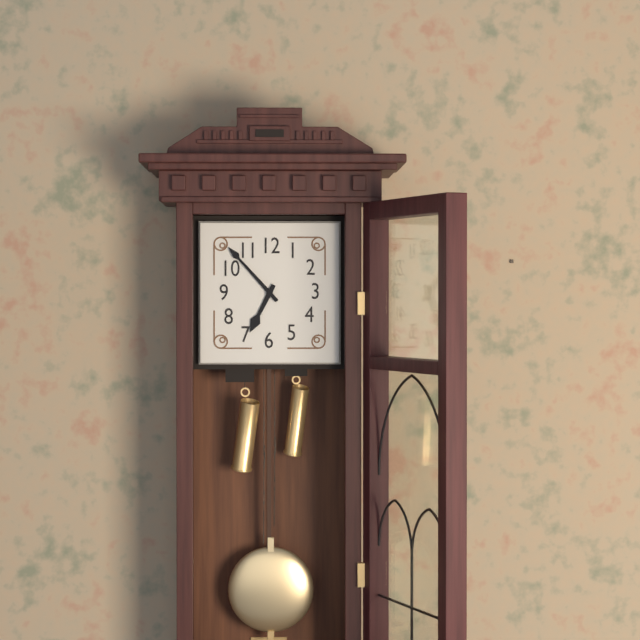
6:53
